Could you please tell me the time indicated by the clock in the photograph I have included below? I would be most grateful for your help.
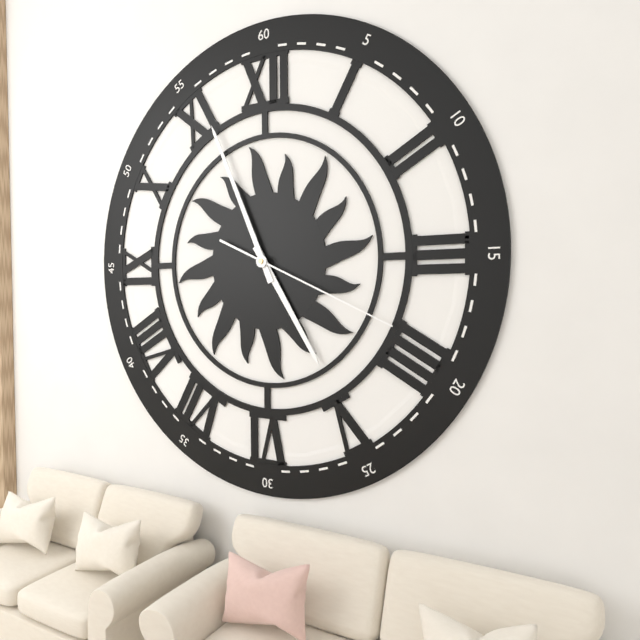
4:56:19
